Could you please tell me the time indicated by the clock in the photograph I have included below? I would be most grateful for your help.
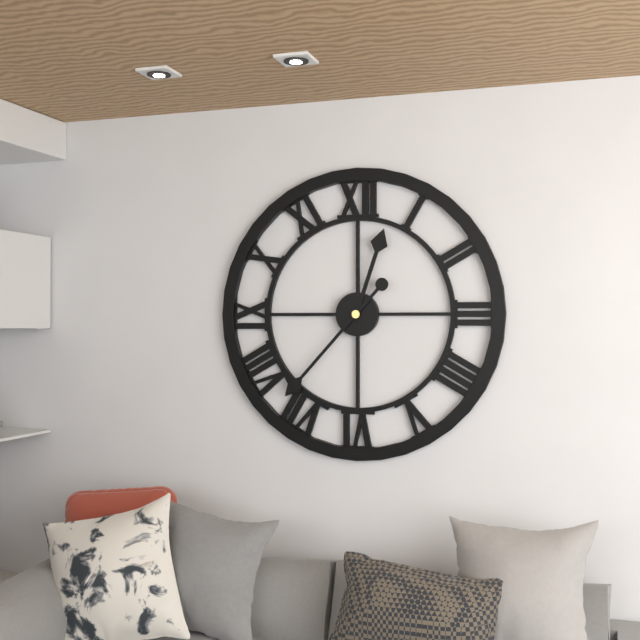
12:37
